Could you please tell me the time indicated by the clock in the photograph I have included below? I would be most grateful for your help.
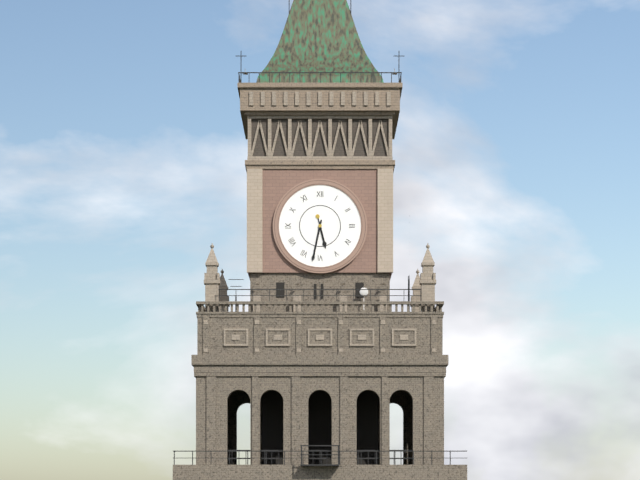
5:32
